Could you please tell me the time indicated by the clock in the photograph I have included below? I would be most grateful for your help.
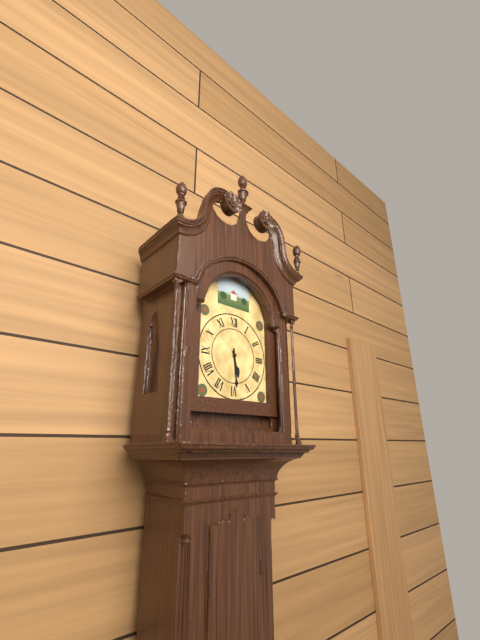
5:29
